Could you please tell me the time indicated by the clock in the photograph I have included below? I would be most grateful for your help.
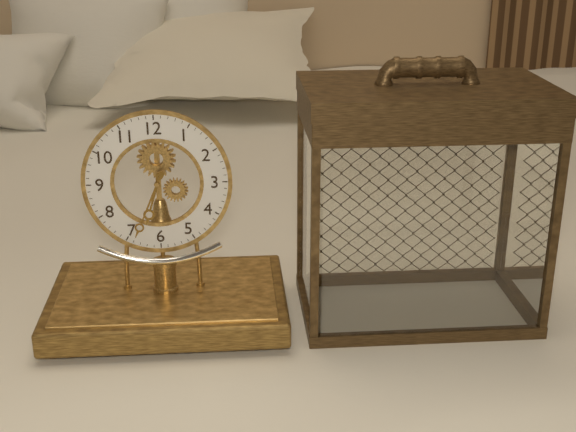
6:34
